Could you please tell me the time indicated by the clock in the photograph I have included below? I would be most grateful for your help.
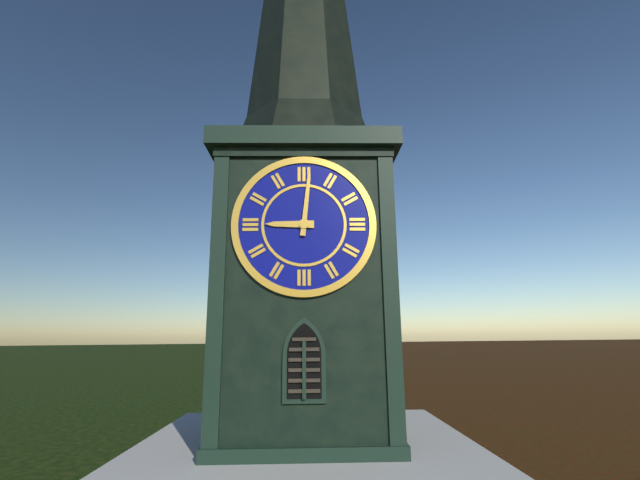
9:01
